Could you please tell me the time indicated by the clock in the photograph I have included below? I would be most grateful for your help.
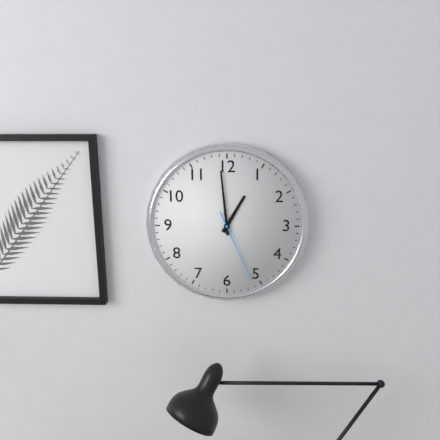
12:59:26
